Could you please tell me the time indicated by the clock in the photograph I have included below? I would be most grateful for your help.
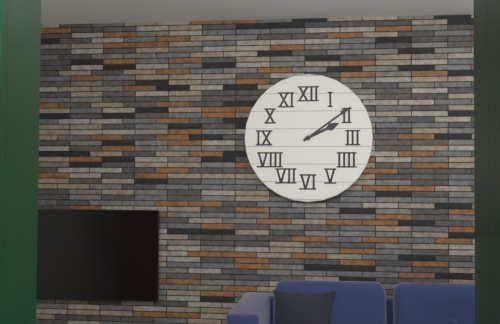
2:09
